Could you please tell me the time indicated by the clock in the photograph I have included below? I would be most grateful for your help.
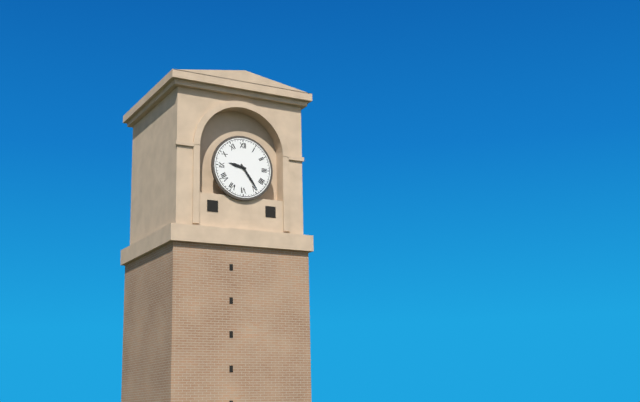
9:24
